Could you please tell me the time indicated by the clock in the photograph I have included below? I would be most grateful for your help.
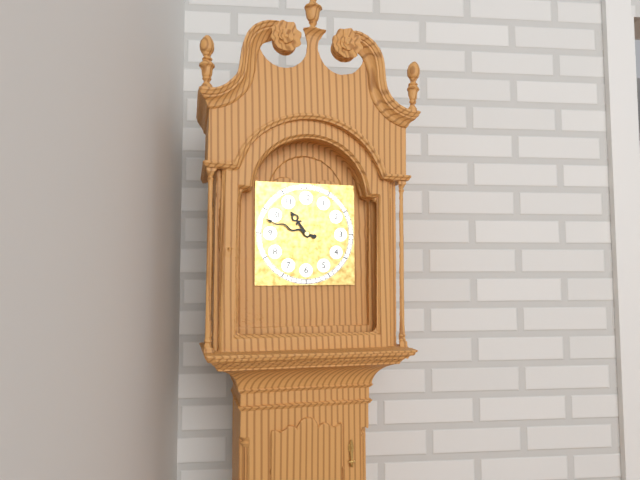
10:48
